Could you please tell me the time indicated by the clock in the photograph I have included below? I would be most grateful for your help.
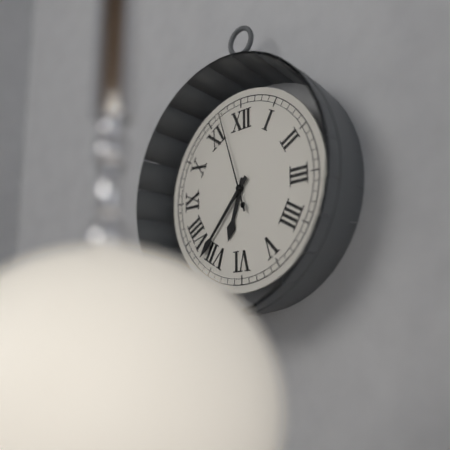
6:37:57
